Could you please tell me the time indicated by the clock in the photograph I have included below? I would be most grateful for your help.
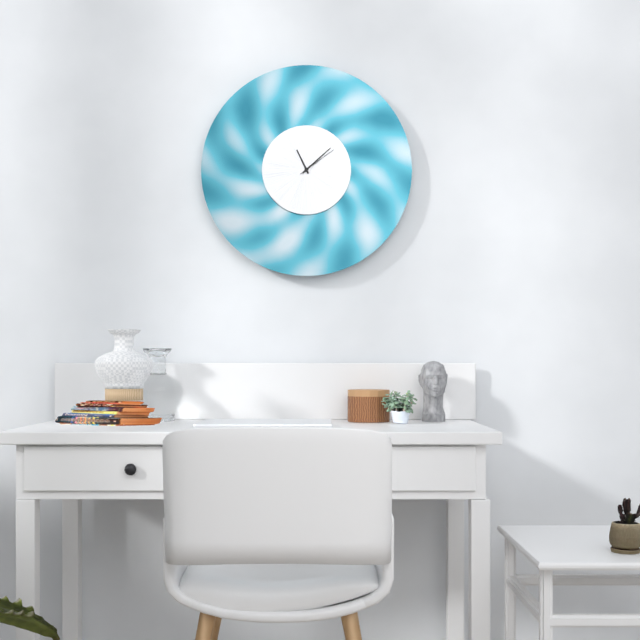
11:08
